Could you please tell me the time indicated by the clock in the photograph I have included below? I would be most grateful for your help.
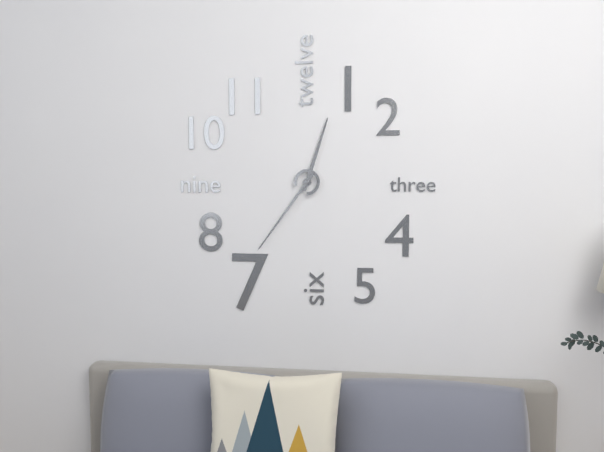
12:36
